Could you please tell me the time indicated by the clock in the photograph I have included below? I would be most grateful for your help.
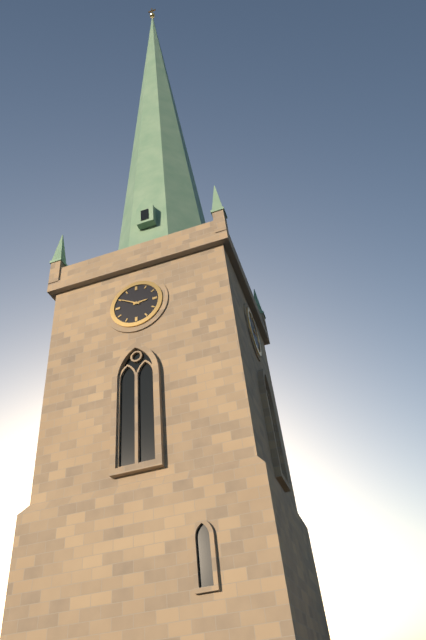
2:50
